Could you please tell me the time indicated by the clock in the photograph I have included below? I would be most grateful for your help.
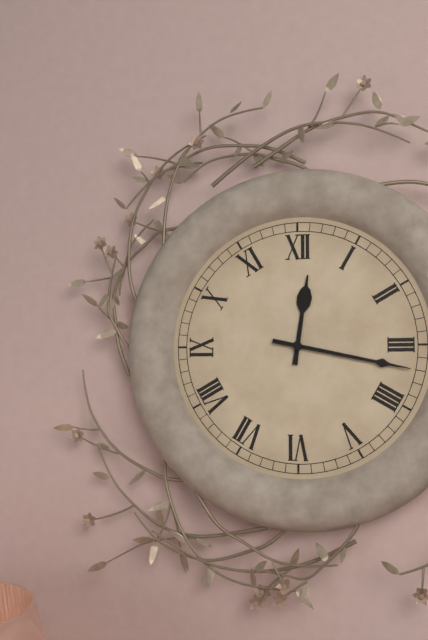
12:17
